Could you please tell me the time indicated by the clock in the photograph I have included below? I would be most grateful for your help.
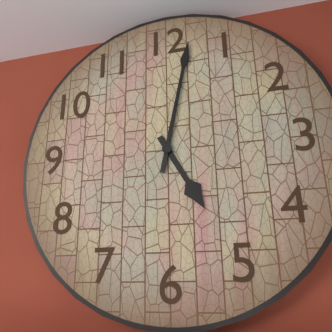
5:02
